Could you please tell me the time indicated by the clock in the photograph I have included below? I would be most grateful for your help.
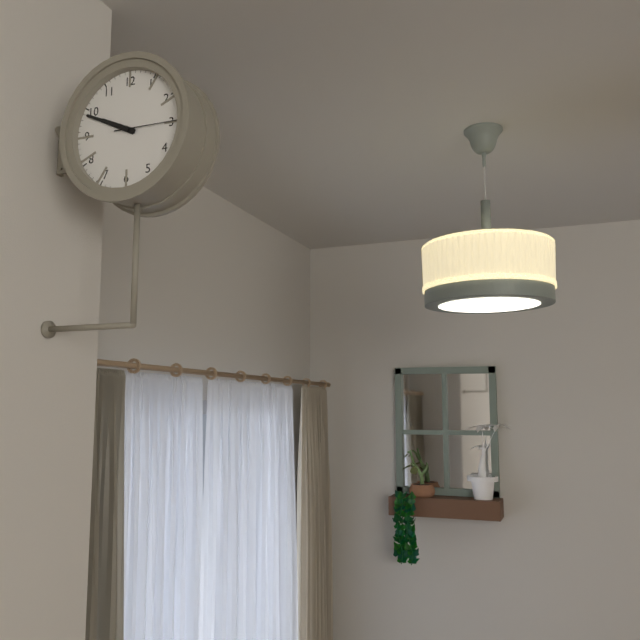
9:49:15
